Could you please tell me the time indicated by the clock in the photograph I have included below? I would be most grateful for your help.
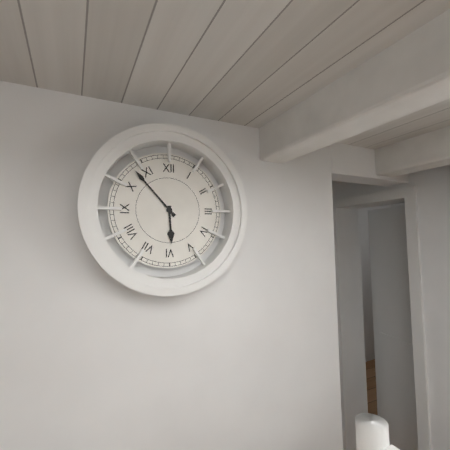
5:53
